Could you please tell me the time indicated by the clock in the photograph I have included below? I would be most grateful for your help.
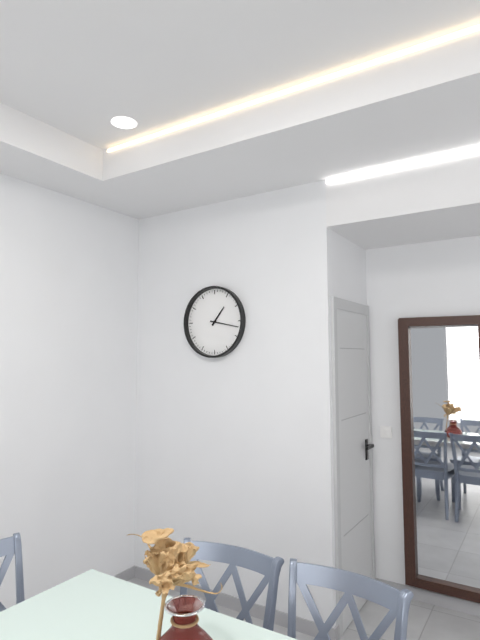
1:17
